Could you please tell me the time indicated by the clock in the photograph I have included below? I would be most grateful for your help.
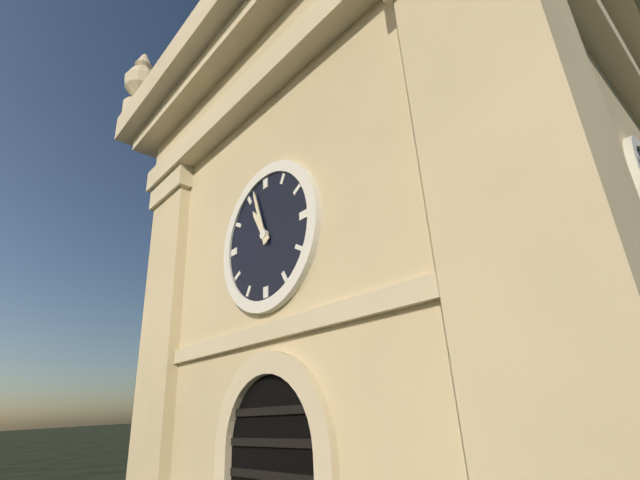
10:57
